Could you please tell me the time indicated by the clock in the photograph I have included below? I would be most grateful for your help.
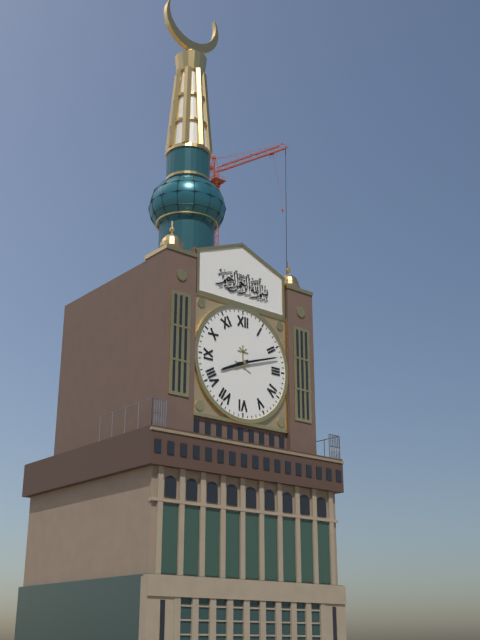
8:12
